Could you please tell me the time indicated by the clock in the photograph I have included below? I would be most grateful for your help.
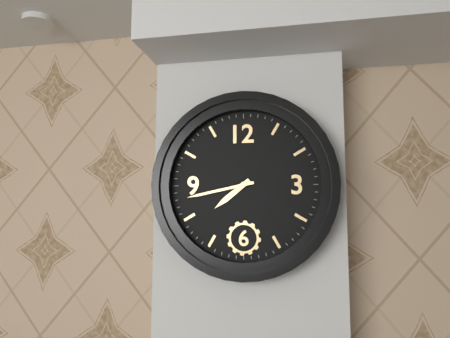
7:43
